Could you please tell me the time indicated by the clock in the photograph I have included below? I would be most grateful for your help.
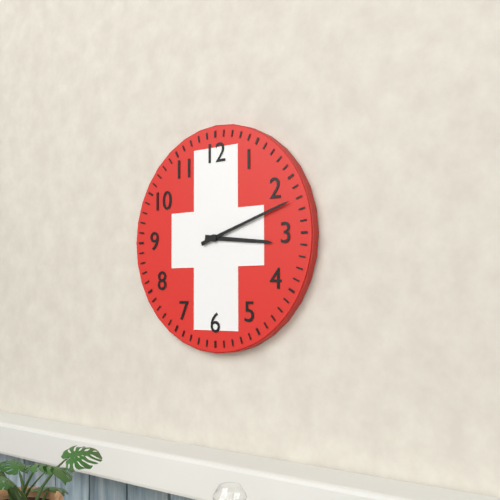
3:12
